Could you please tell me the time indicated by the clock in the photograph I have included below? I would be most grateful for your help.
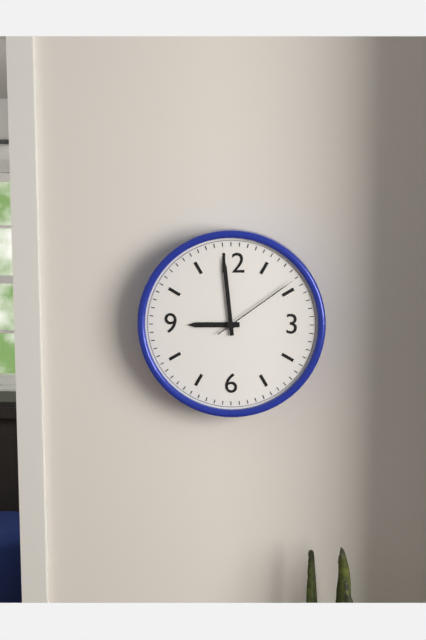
8:59:09
